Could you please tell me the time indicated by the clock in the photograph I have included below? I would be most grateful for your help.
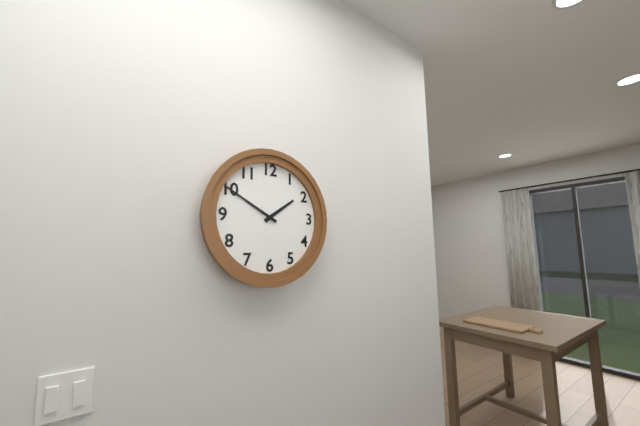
1:50
